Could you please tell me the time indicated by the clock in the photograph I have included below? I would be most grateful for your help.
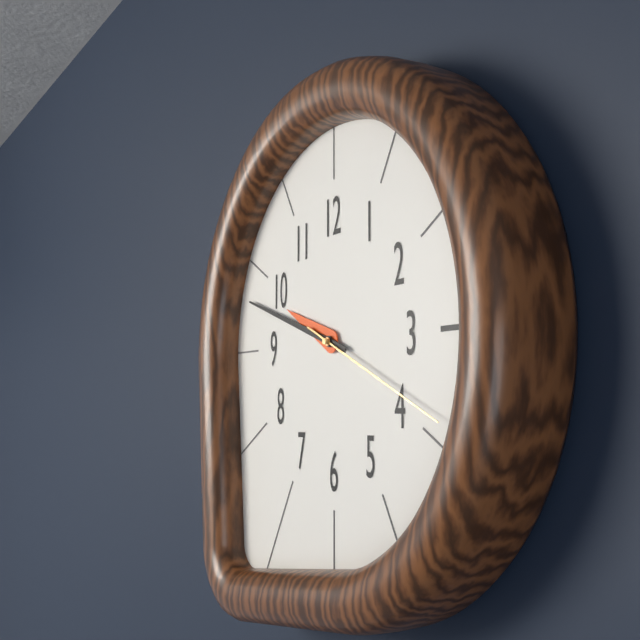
9:48:19
